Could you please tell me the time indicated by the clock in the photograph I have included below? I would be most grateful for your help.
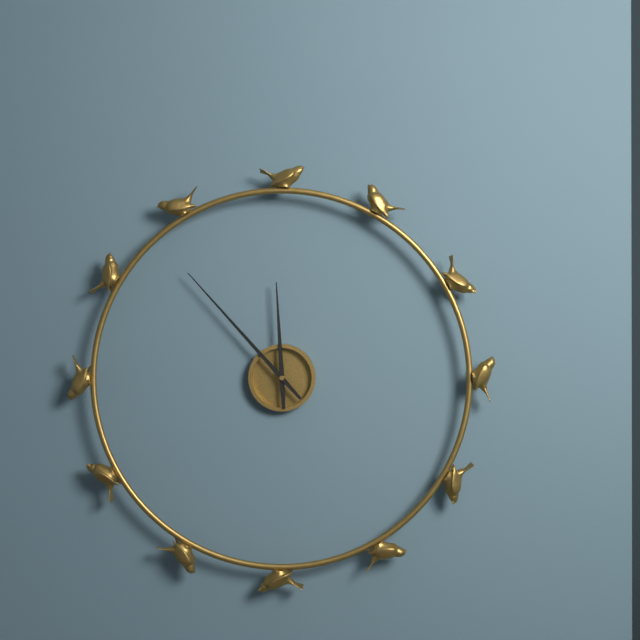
11:53
